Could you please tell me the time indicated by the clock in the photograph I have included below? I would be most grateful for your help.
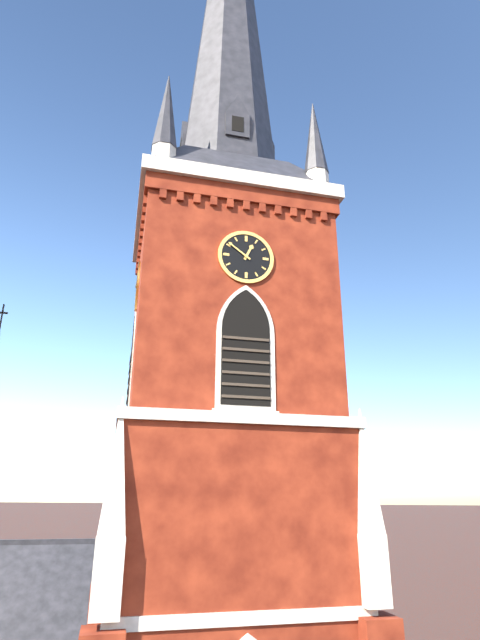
12:51
